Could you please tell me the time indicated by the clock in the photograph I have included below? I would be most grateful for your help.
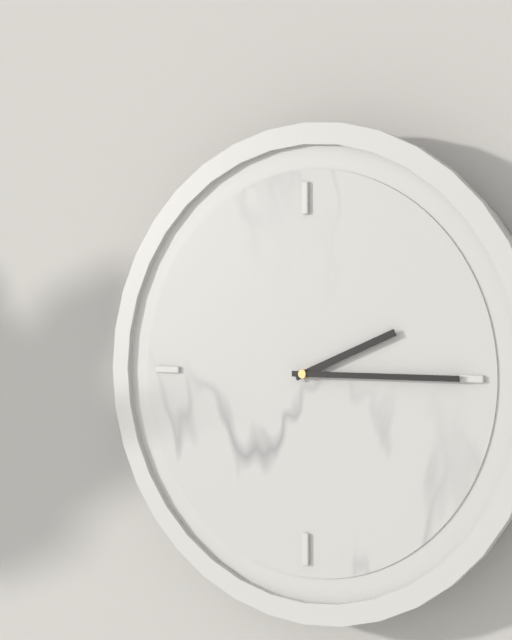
2:15
